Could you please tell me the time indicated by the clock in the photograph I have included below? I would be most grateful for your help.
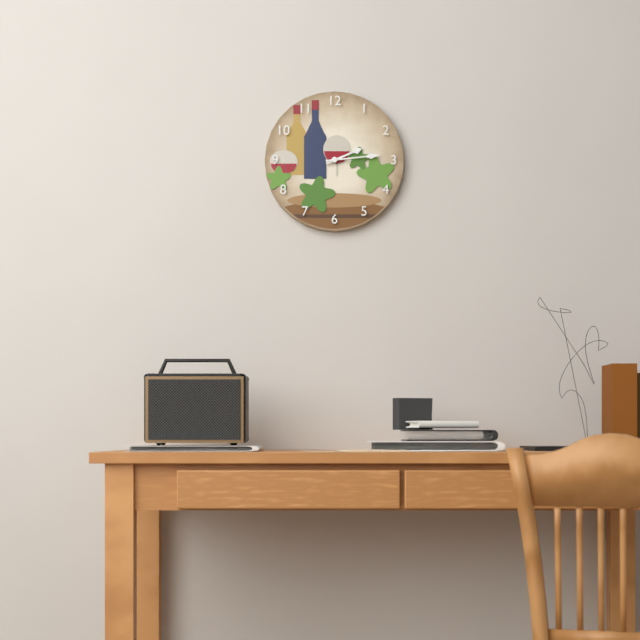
2:14
